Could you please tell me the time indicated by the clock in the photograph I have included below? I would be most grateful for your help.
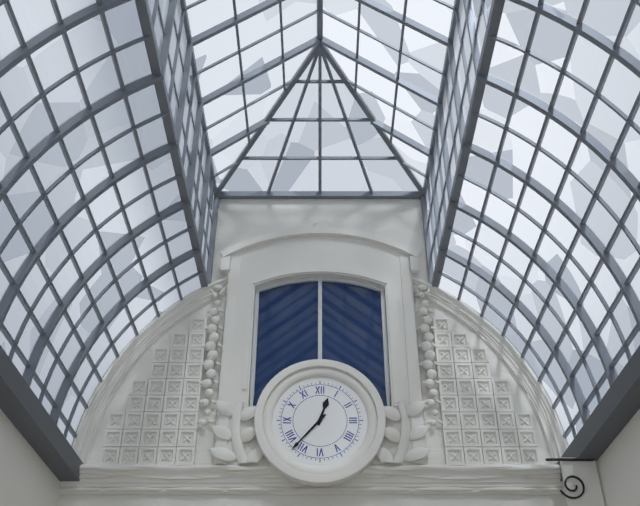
12:37
